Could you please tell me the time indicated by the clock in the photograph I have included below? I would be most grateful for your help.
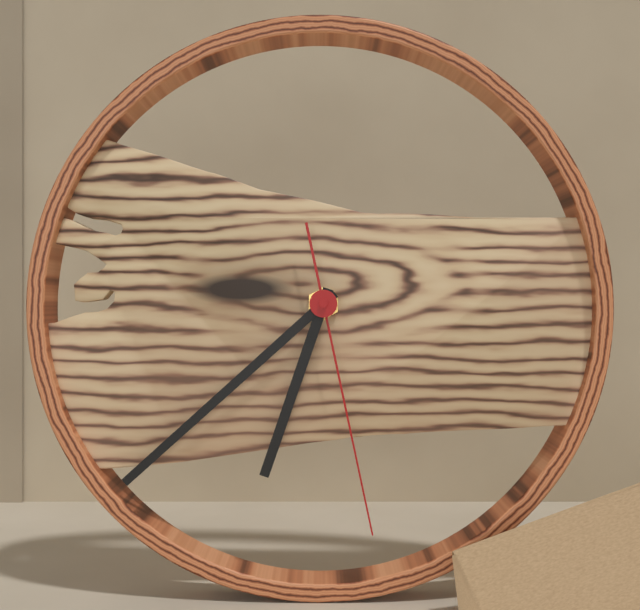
6:38:28
